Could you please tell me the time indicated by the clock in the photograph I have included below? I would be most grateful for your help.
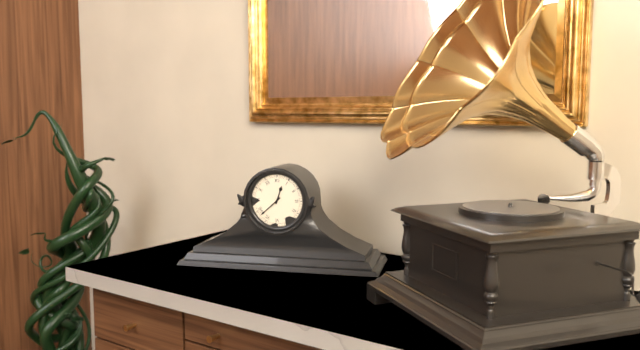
12:38
